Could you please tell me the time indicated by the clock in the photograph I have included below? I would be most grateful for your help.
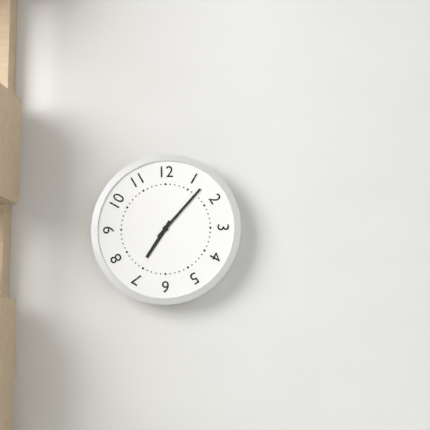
7:07
